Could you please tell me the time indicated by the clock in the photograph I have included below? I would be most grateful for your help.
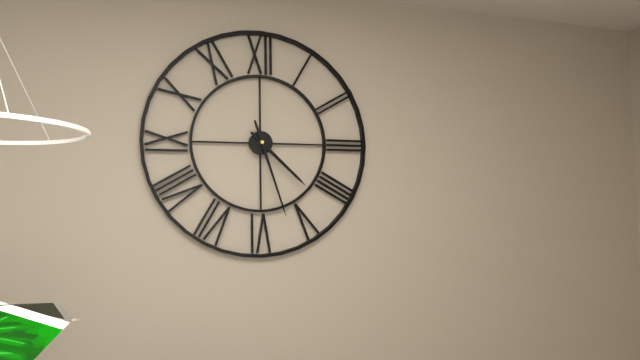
4:27
